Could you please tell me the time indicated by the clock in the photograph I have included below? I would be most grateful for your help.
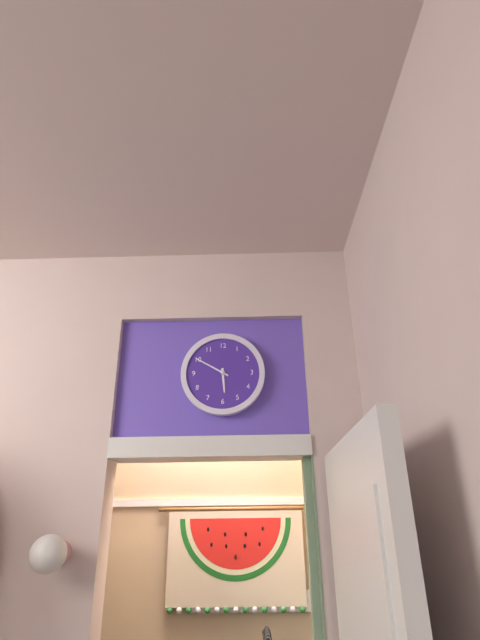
5:50
